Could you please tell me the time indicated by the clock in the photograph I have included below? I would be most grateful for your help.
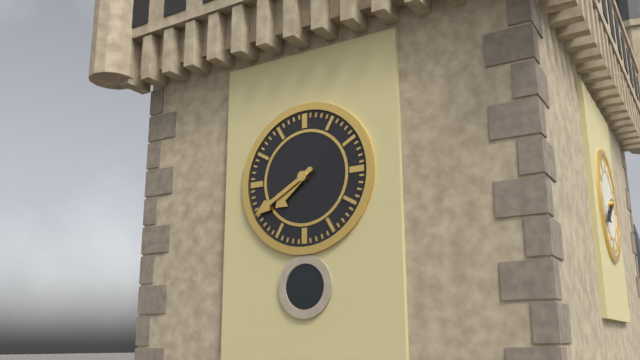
7:40
